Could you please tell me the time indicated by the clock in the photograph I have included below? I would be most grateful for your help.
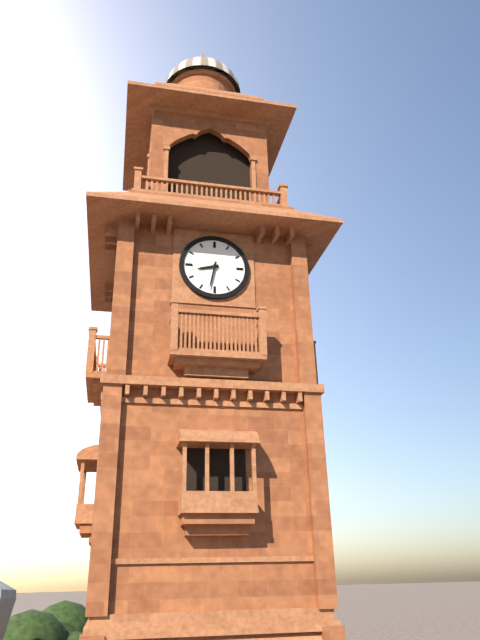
8:32
